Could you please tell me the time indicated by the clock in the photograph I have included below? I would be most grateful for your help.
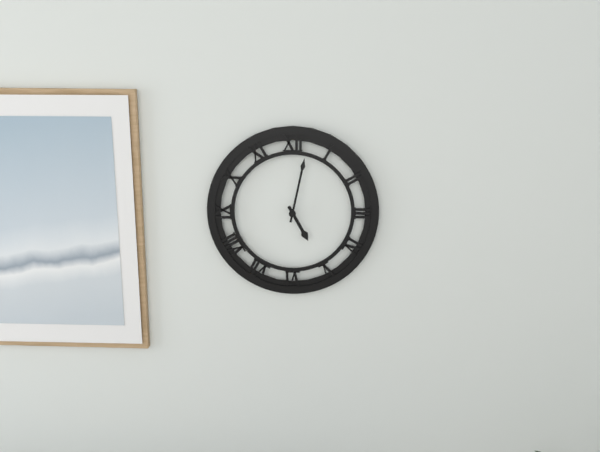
5:02
